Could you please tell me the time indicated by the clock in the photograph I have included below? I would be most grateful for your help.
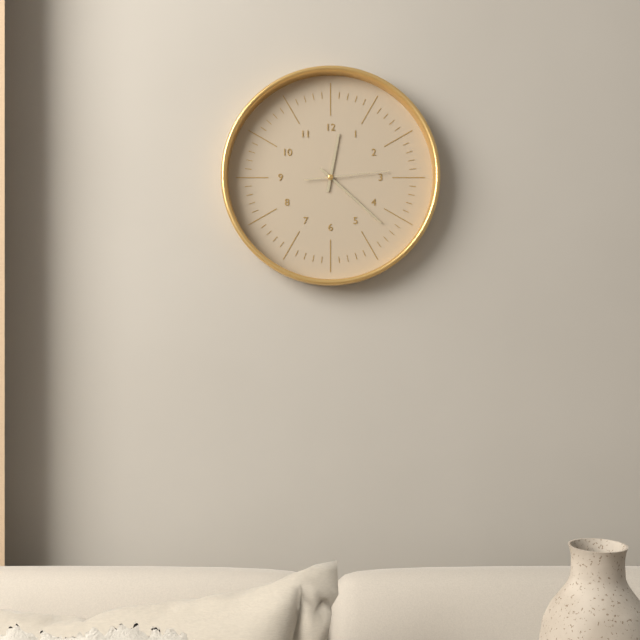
12:22:14
